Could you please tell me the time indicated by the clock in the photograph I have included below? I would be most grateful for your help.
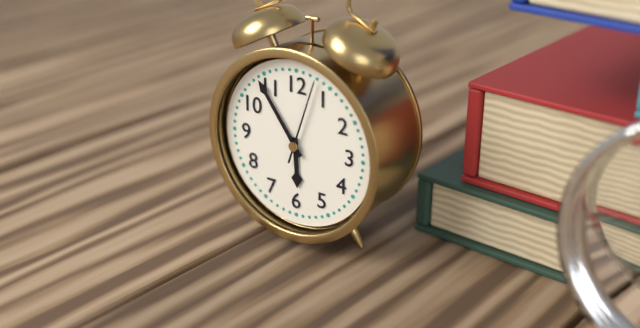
5:54:03
